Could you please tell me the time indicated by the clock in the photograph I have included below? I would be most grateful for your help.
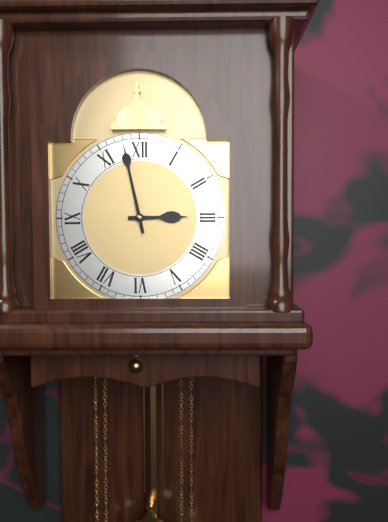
2:58
